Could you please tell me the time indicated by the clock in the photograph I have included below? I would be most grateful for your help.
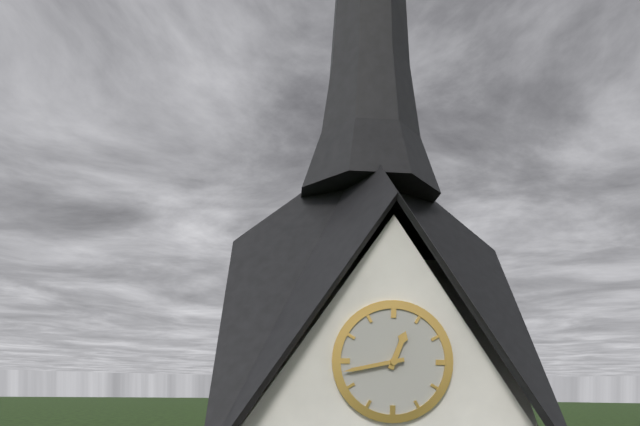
12:43
